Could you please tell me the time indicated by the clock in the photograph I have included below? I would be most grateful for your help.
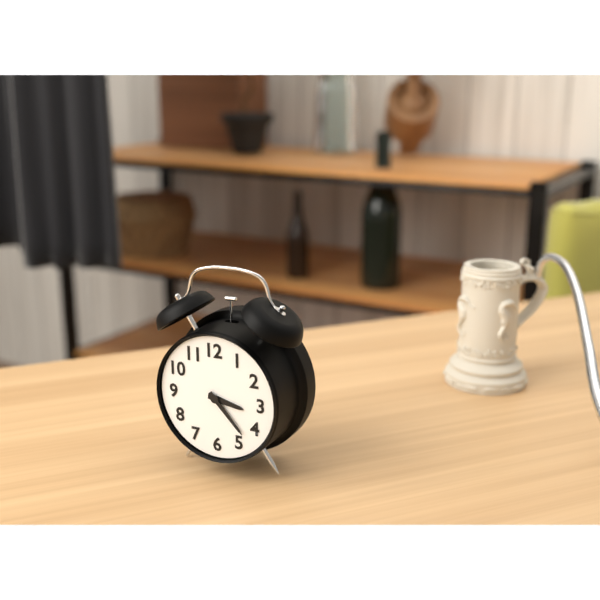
3:23
